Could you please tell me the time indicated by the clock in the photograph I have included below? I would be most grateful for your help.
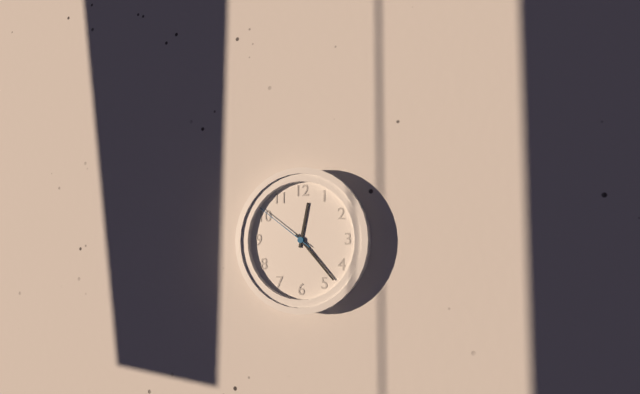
12:23:51
